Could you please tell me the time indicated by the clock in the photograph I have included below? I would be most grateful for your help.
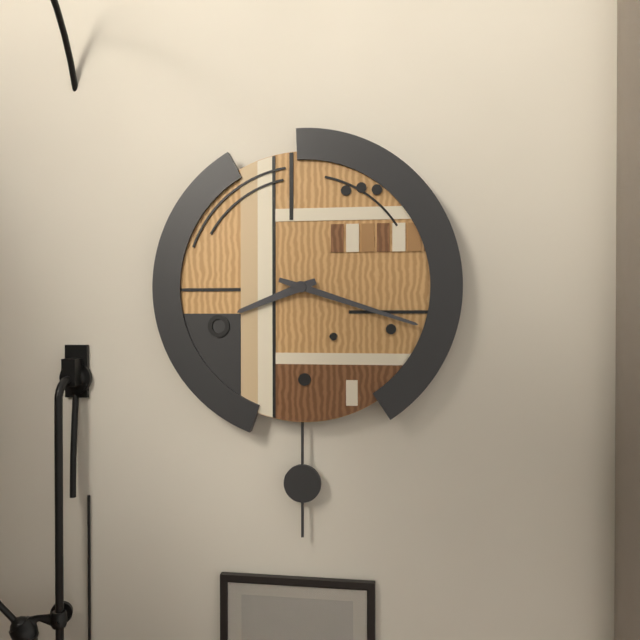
8:18
